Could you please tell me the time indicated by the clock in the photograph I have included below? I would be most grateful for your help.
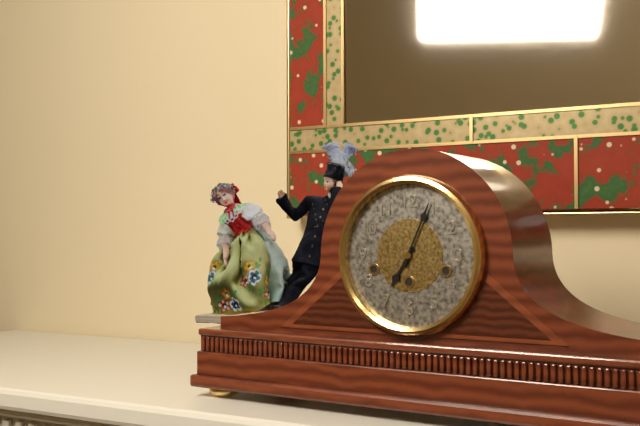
7:04
